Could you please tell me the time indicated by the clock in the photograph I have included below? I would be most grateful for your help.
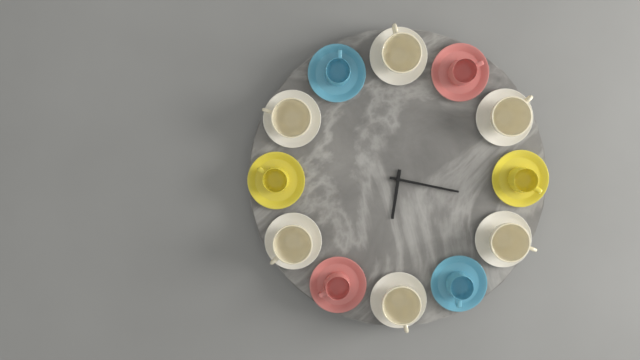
6:17
